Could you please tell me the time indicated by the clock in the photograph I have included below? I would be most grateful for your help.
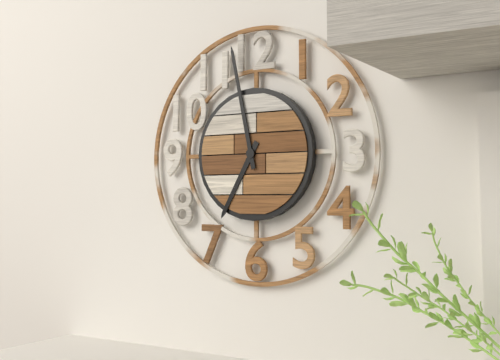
6:58
